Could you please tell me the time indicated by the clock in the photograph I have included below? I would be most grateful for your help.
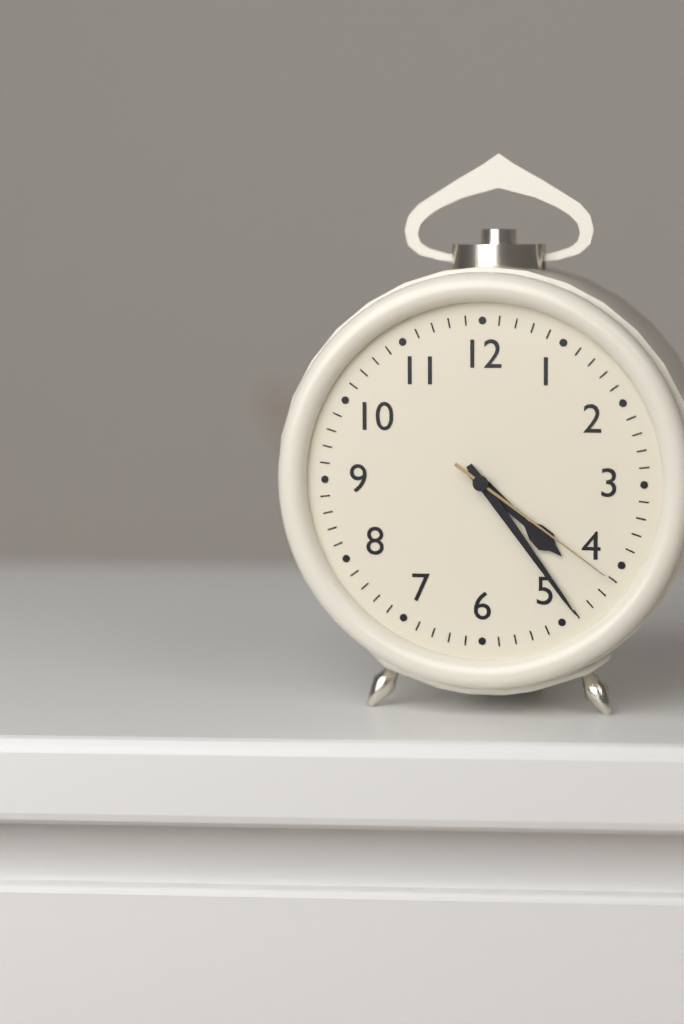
4:24:21
